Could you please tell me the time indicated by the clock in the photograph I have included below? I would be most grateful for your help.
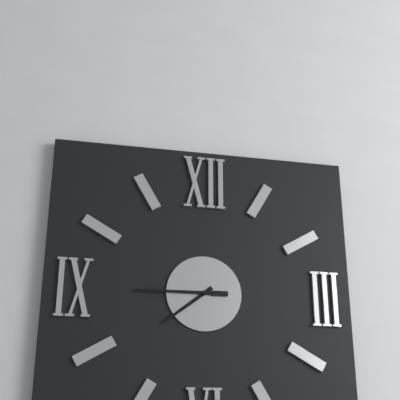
7:45
